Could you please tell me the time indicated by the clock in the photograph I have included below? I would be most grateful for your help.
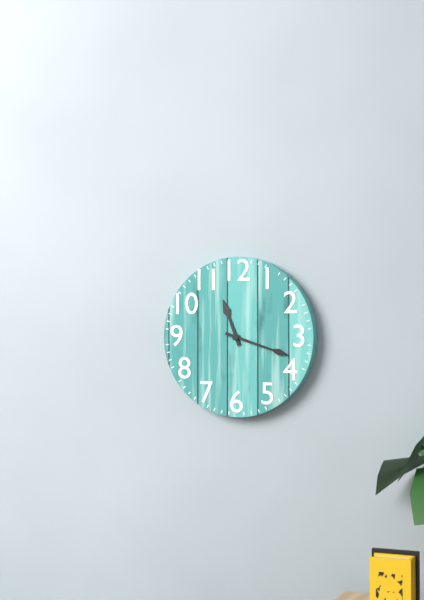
11:18
